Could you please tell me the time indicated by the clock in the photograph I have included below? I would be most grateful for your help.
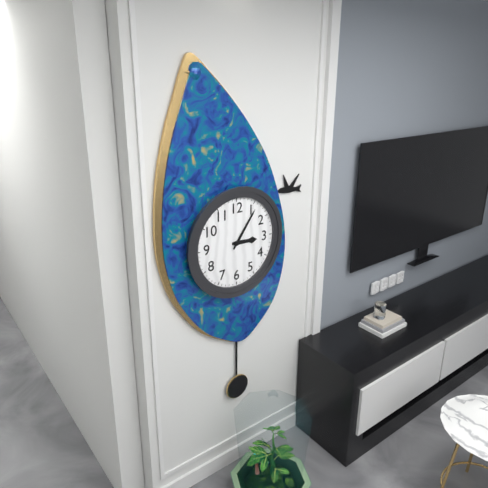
3:06
